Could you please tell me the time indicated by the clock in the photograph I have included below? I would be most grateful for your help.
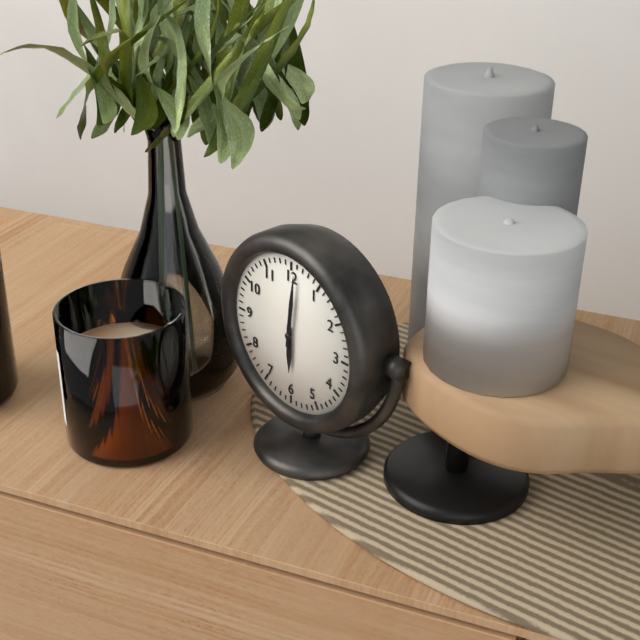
6:01
